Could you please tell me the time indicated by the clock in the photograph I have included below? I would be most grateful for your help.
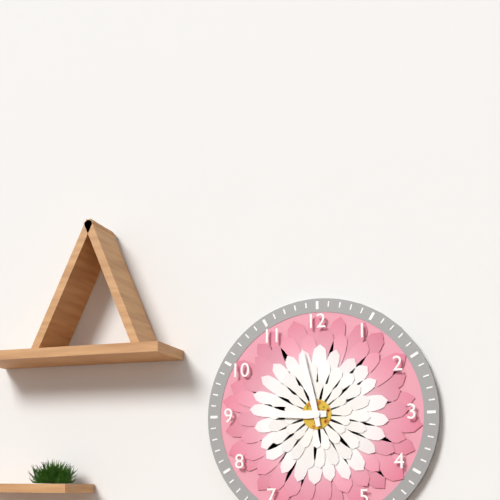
8:58
